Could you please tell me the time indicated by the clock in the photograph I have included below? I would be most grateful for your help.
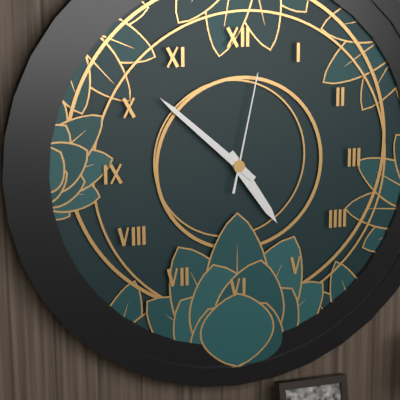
4:52:02
